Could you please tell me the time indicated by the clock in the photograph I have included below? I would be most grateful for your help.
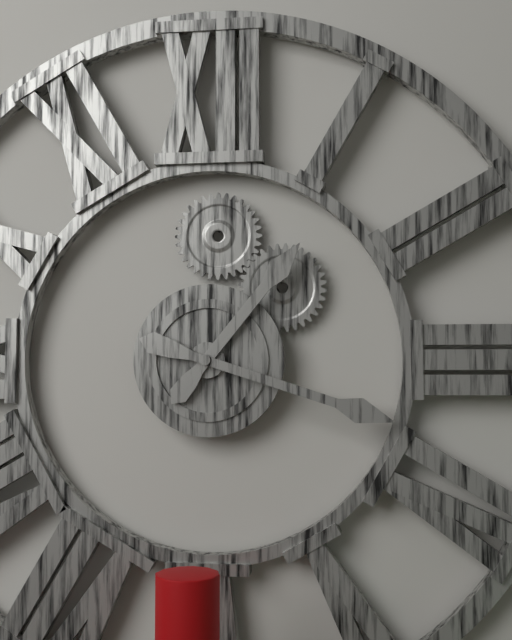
1:18
